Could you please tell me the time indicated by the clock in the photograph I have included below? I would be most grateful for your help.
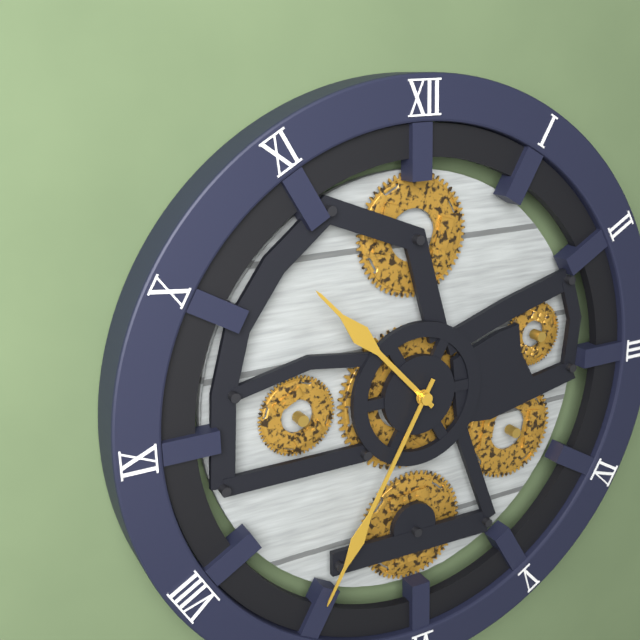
10:35
